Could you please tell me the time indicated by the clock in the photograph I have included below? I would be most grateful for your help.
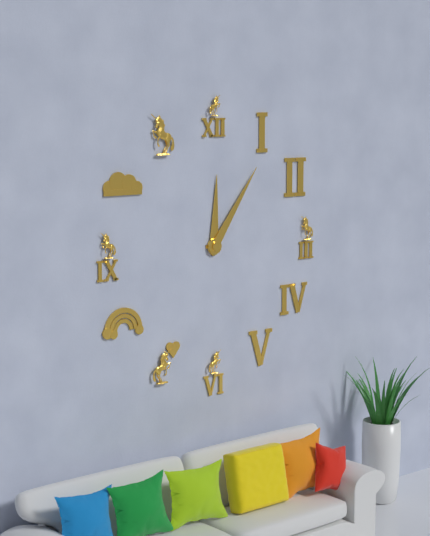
12:06
